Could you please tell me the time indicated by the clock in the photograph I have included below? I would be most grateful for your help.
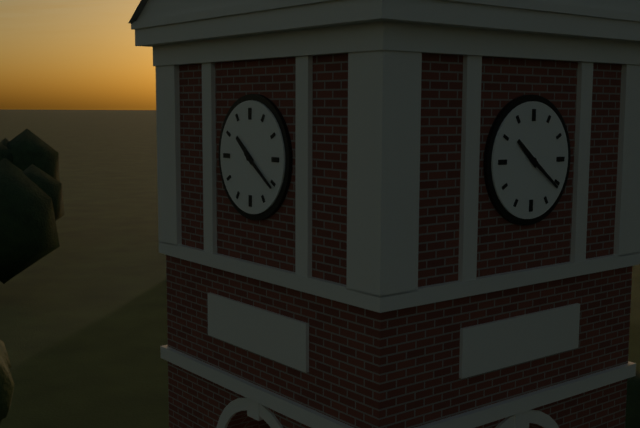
10:21
